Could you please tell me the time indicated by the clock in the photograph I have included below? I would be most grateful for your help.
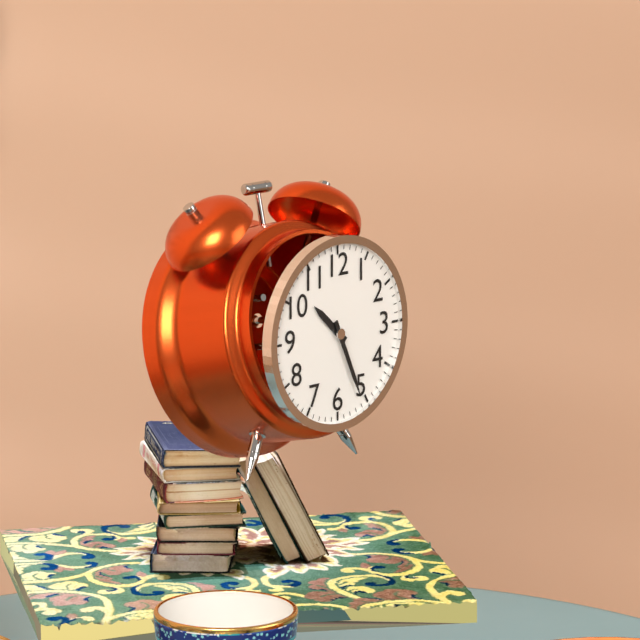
10:26
